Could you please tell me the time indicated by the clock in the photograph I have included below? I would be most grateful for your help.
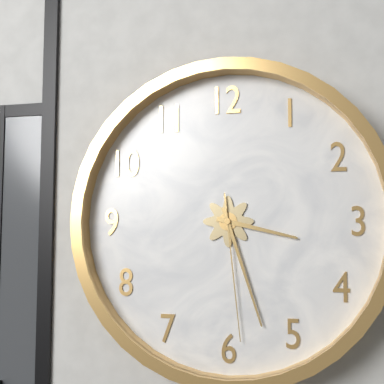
3:27:29
